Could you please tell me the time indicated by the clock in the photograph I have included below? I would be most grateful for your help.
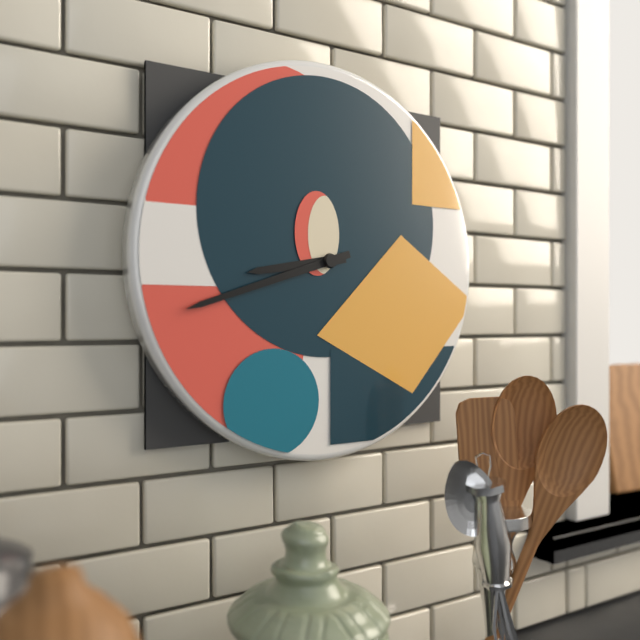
8:42
